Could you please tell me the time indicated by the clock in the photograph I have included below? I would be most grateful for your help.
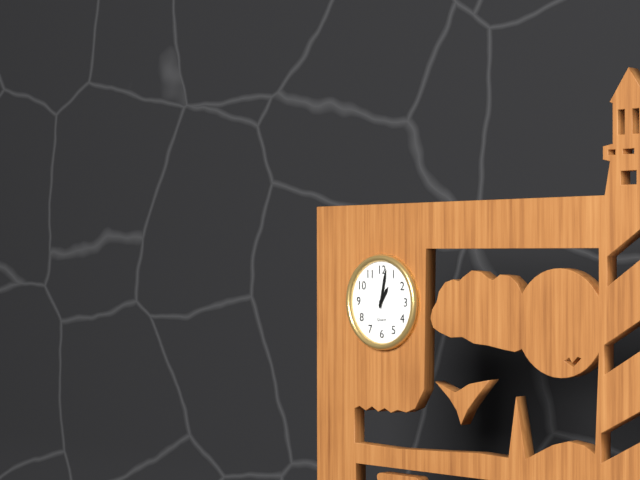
1:02
